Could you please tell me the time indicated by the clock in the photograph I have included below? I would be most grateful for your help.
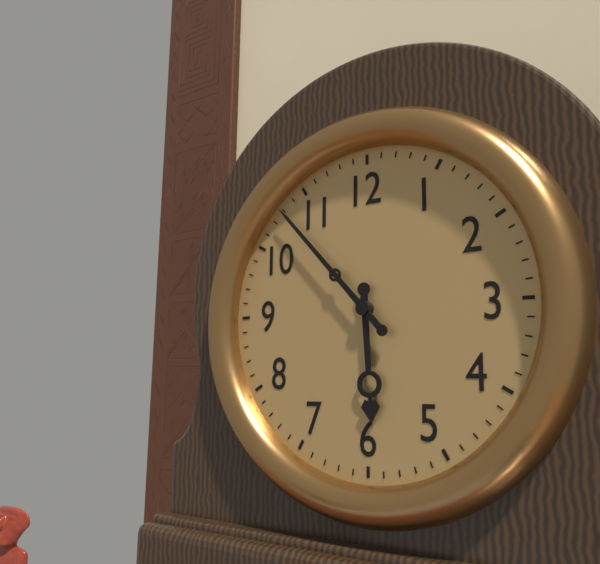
5:53
